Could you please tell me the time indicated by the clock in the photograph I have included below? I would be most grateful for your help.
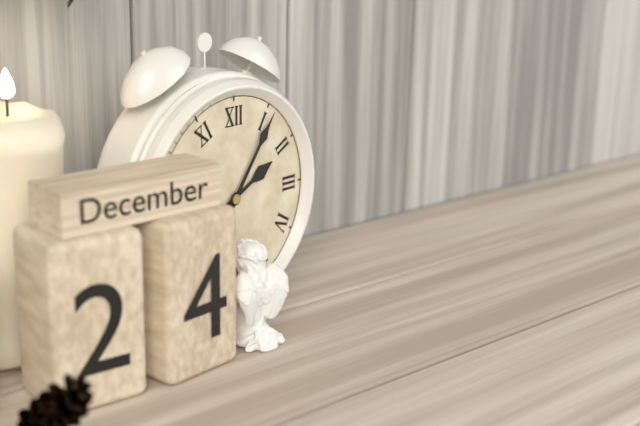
2:06
